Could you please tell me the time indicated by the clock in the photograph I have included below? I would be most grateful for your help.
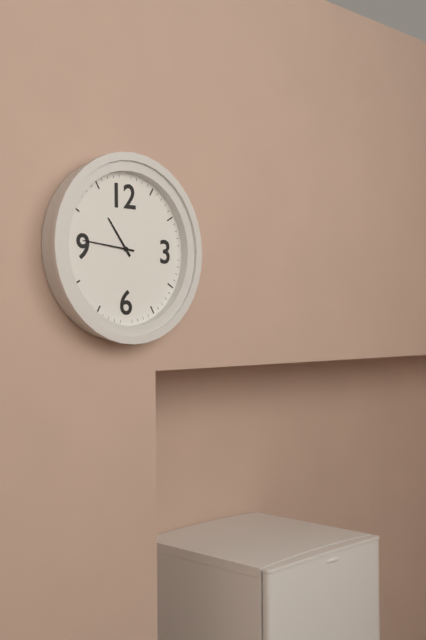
10:46
